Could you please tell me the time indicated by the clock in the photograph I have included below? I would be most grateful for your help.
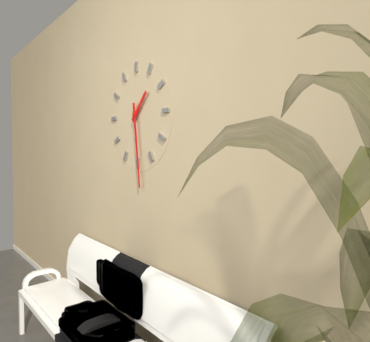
1:29
